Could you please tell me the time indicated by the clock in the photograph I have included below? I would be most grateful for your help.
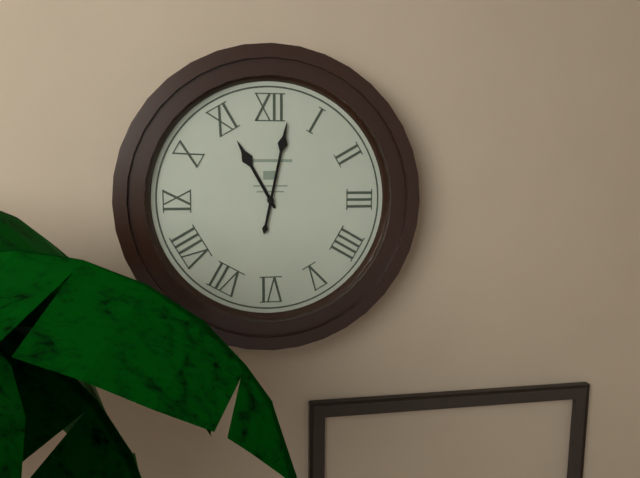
11:02
